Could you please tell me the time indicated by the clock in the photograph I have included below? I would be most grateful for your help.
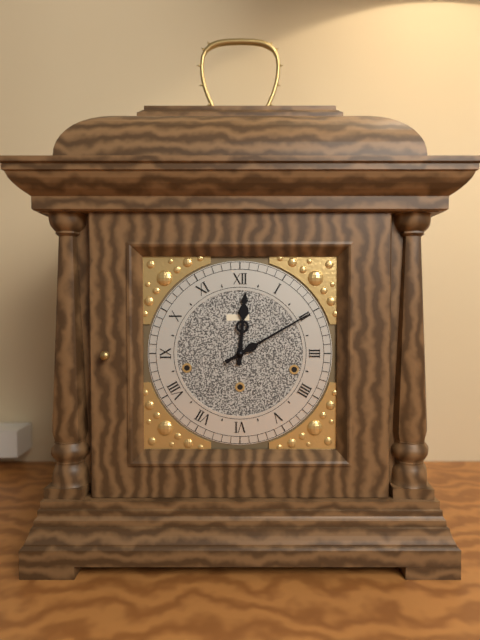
12:10
